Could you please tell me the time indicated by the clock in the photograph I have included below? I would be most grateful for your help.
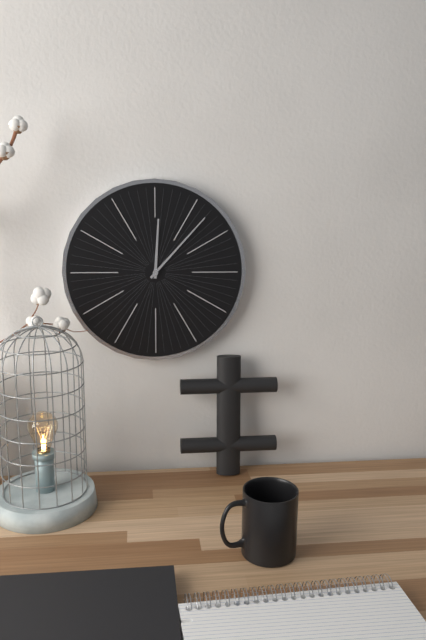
12:07
